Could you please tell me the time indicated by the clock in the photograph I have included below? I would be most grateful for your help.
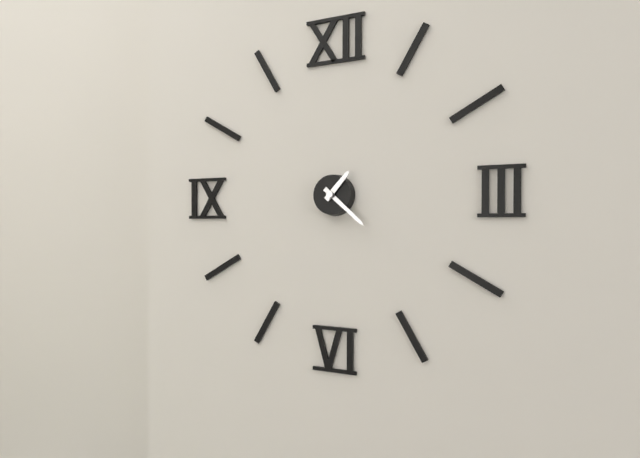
1:22
